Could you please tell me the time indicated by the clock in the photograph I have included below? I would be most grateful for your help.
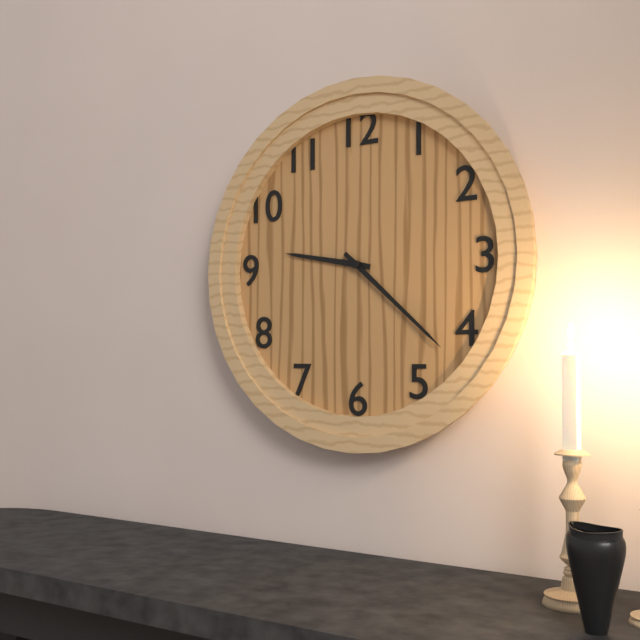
9:22
